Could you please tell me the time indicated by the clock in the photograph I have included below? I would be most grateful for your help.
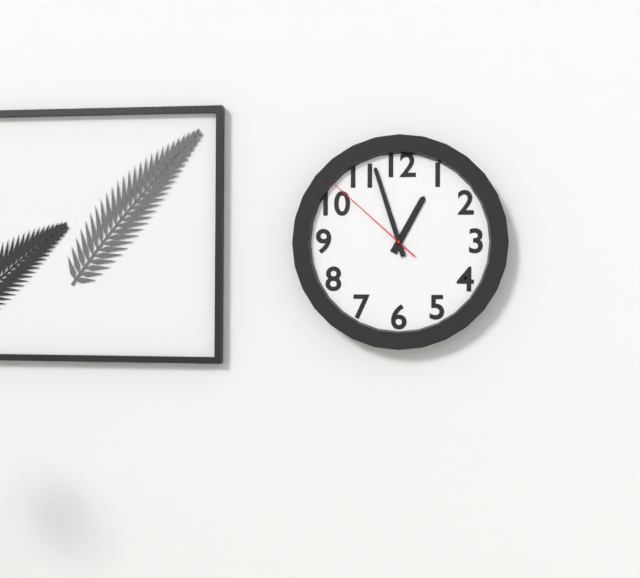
12:57:52
